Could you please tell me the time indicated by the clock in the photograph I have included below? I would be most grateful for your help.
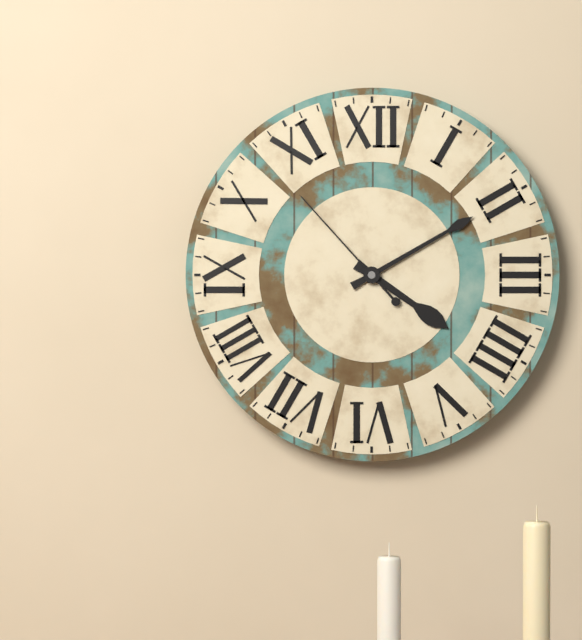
4:10:53
